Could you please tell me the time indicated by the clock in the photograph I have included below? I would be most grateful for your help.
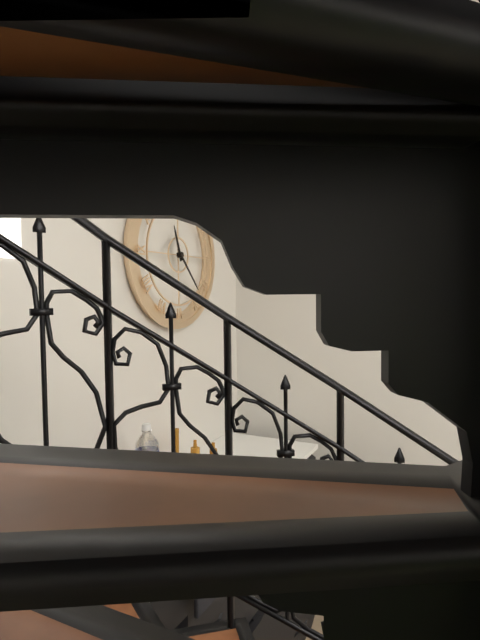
11:23
